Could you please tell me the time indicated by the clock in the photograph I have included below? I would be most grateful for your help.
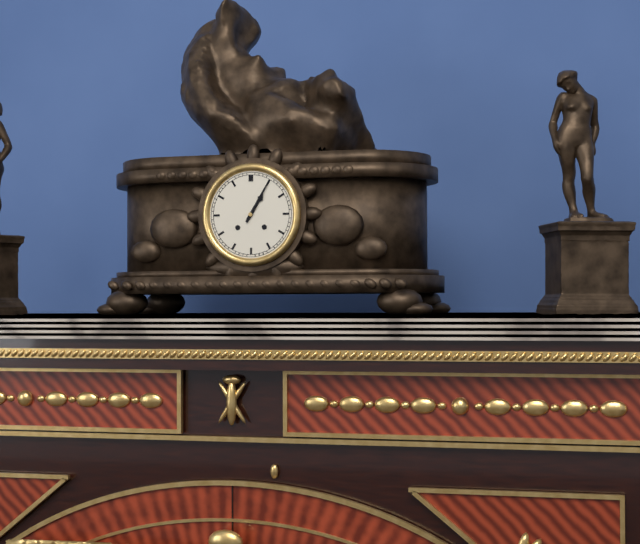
1:05
